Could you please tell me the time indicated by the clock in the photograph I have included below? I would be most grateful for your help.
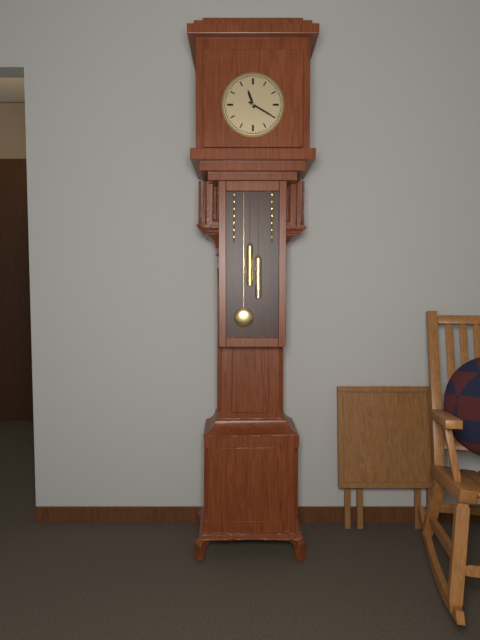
11:20
